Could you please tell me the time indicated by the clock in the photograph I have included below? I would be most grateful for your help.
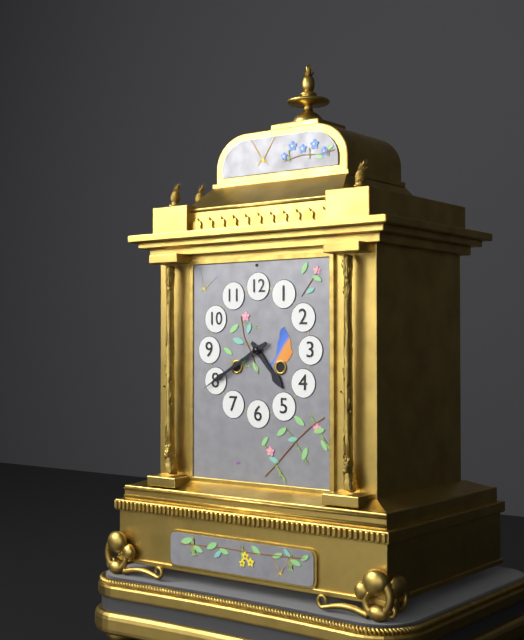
4:40
